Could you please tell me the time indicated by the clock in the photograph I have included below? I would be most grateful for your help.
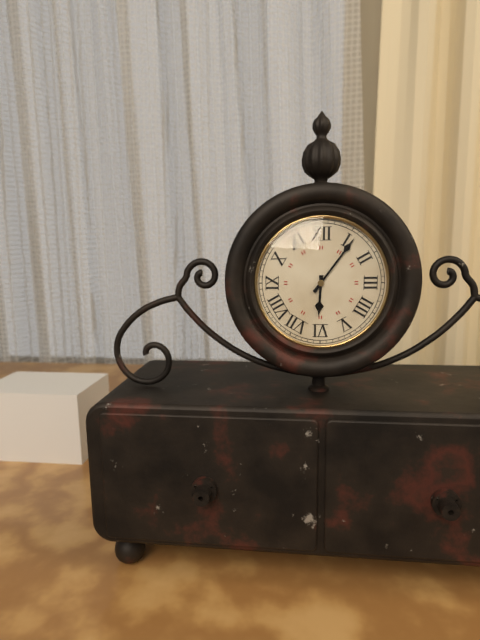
6:06
